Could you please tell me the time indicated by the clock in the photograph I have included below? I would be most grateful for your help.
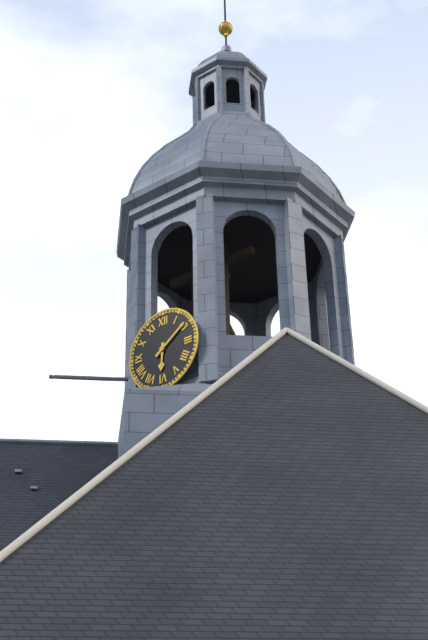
6:09
